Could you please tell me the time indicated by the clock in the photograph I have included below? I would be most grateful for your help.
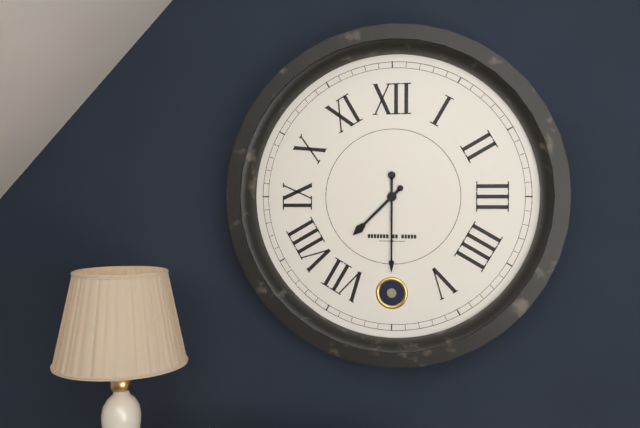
7:30
